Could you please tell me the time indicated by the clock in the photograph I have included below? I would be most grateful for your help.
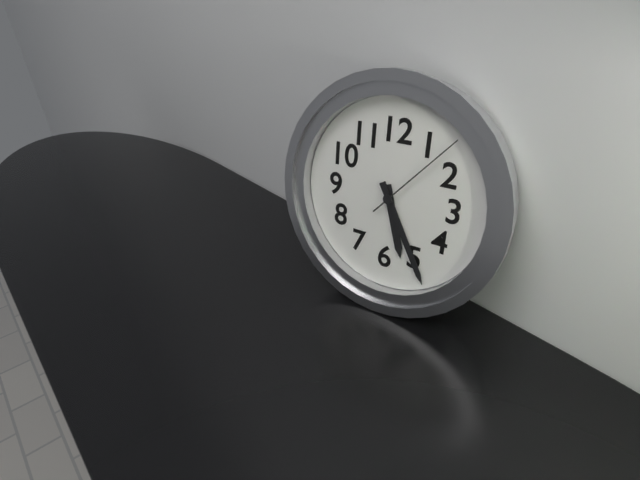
5:25:07
